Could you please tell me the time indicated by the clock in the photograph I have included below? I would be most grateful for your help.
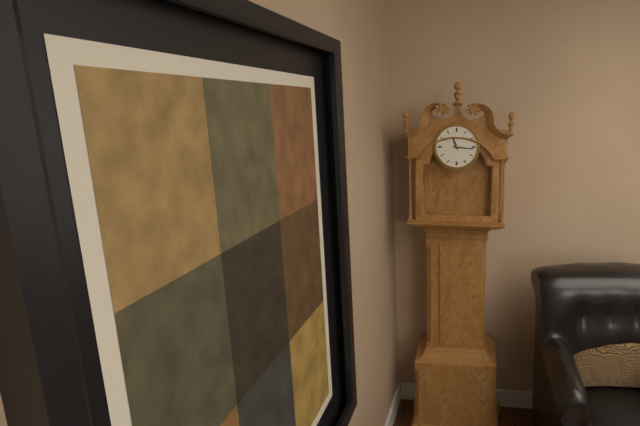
11:16
